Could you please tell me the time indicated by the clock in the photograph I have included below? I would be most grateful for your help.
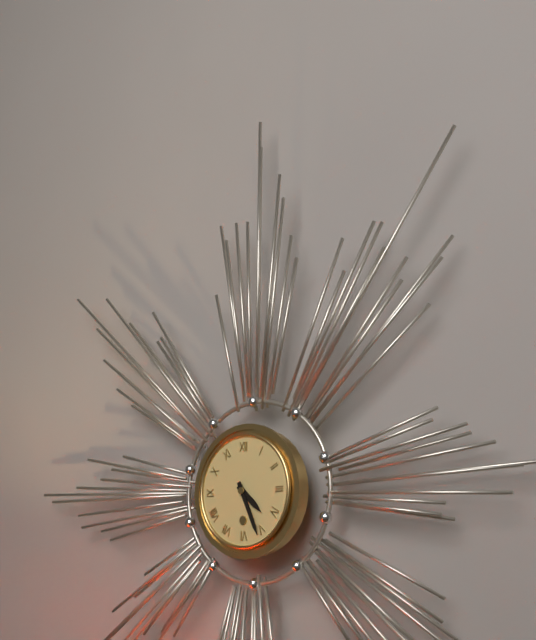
4:26
